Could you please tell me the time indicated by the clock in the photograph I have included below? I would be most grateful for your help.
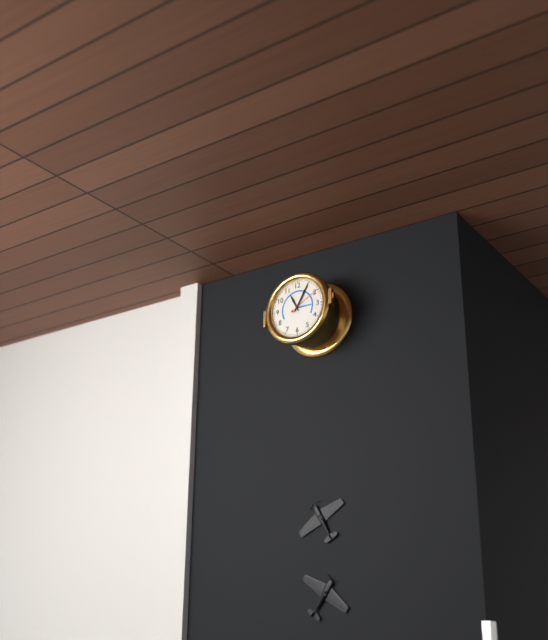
11:05
